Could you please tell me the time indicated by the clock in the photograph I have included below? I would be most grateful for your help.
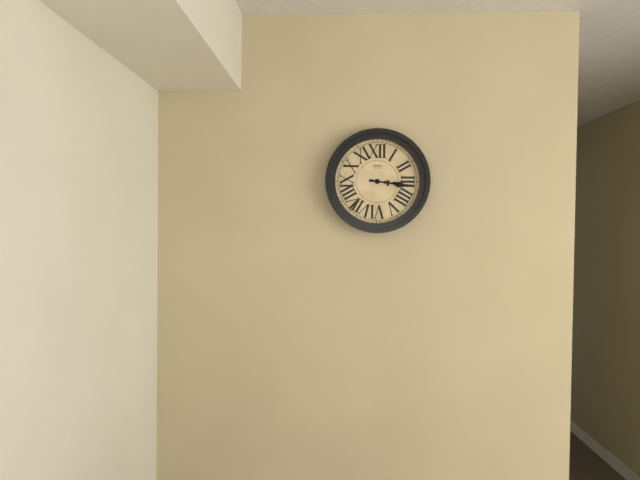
3:16
